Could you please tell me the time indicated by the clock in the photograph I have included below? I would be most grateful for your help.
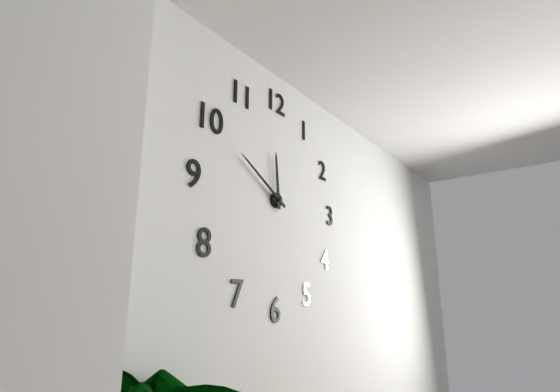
11:50
